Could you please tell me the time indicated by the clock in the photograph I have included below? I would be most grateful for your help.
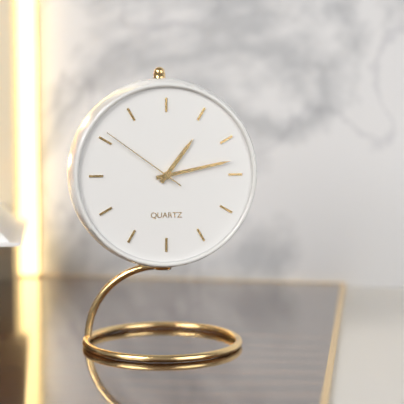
1:13:51
